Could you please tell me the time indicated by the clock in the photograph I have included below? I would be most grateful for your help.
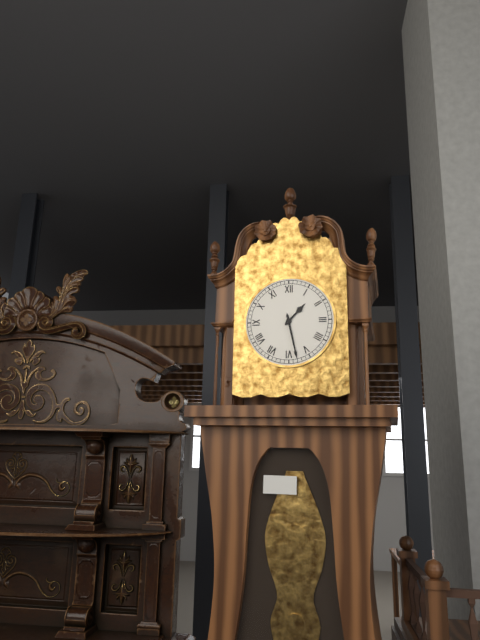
1:28
